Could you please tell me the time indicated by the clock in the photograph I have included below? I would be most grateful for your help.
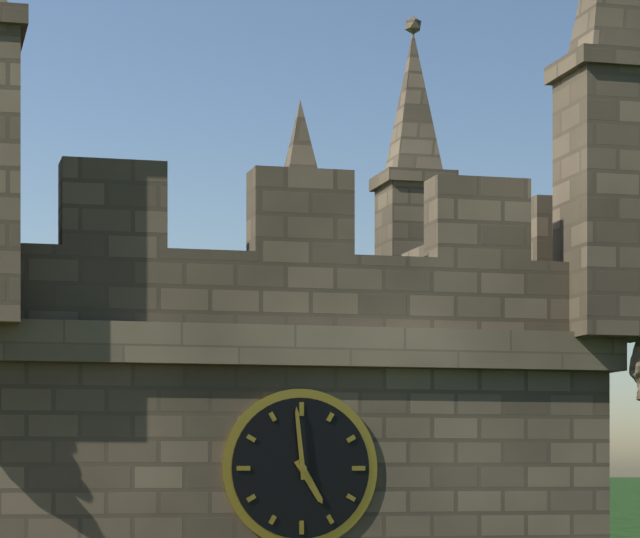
4:59
